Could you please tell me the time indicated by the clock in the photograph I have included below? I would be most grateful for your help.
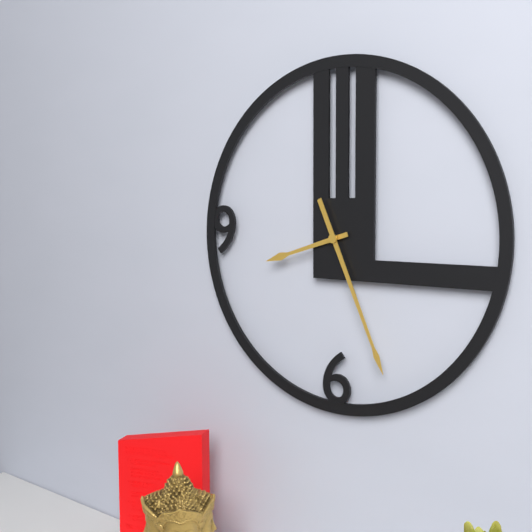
8:26
